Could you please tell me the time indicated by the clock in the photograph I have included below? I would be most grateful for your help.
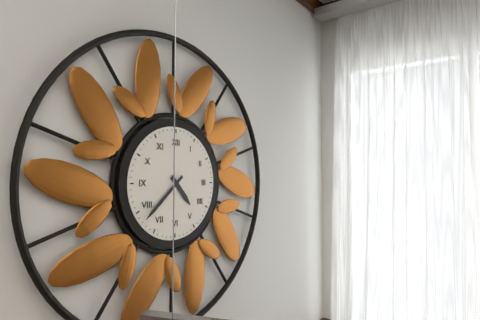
4:38
